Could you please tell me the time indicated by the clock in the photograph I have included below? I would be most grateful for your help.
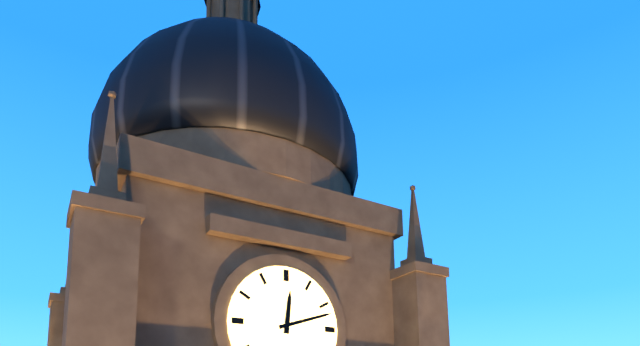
12:12
